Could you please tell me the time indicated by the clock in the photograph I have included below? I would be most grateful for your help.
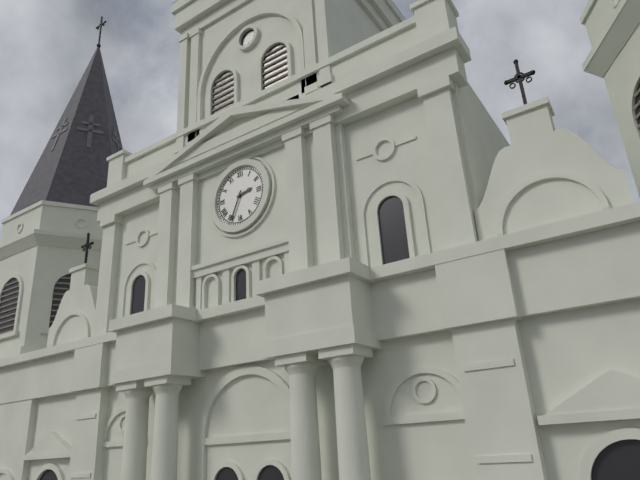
2:34
